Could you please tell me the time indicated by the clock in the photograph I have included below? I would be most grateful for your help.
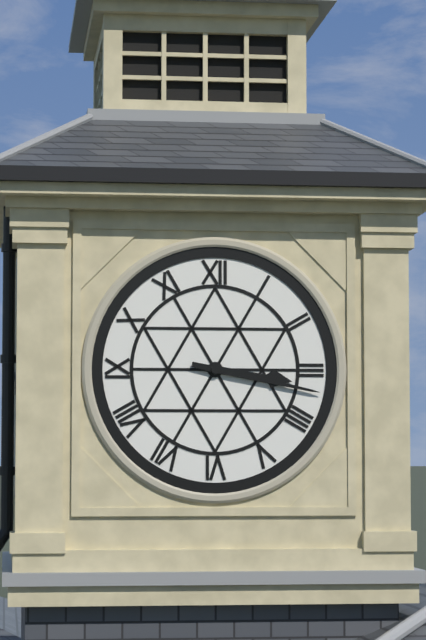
3:17
